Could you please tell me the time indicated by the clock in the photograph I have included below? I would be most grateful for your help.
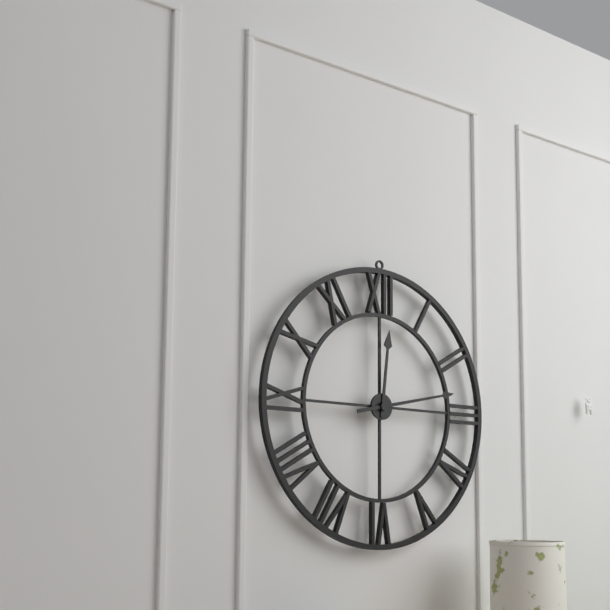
12:13
